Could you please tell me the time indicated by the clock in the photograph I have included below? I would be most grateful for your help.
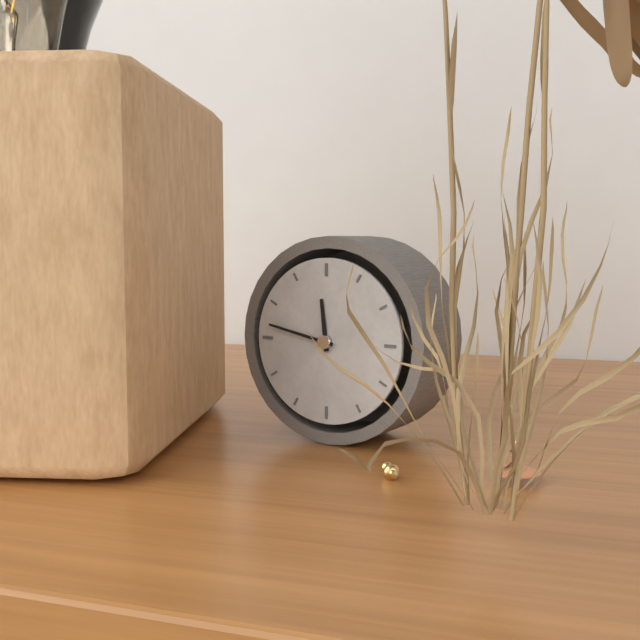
11:47
